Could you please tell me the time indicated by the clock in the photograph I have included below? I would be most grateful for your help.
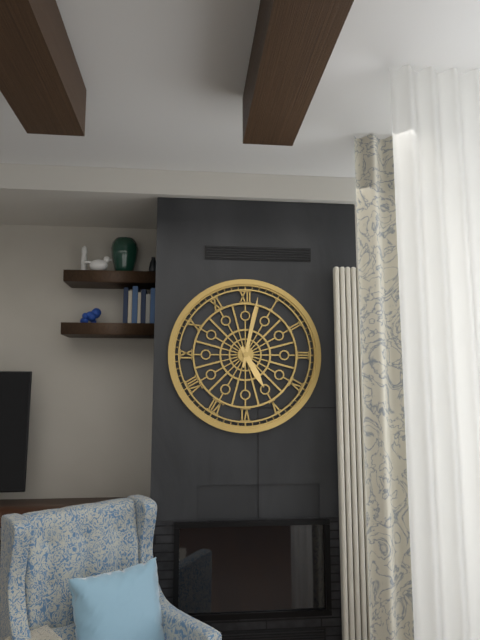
5:02
